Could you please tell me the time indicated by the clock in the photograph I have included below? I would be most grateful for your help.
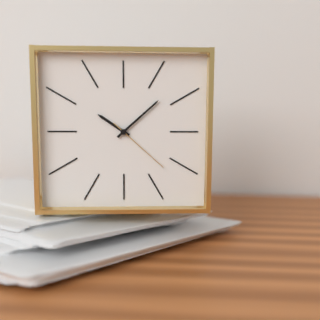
10:08:22
